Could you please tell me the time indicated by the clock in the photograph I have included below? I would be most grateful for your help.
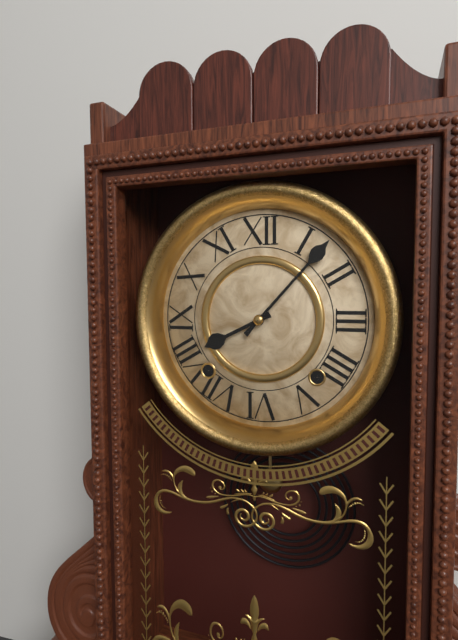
8:07
